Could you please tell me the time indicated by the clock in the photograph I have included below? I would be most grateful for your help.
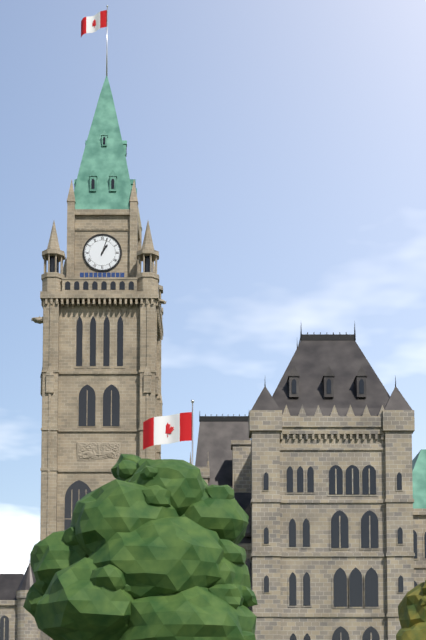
1:03
